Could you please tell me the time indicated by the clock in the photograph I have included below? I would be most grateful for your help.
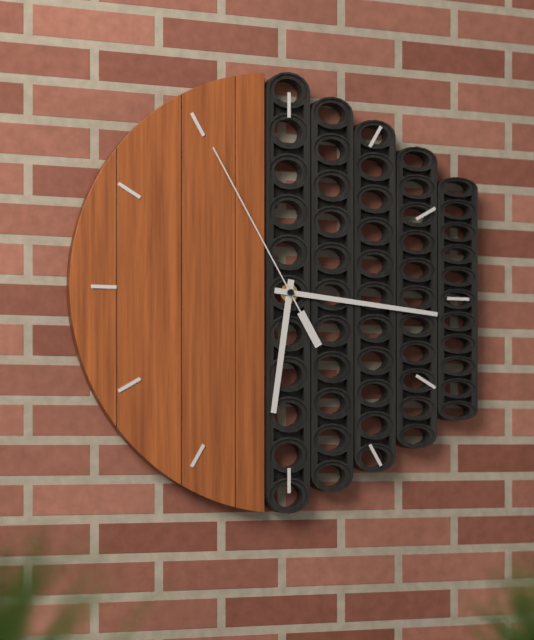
6:16:55
